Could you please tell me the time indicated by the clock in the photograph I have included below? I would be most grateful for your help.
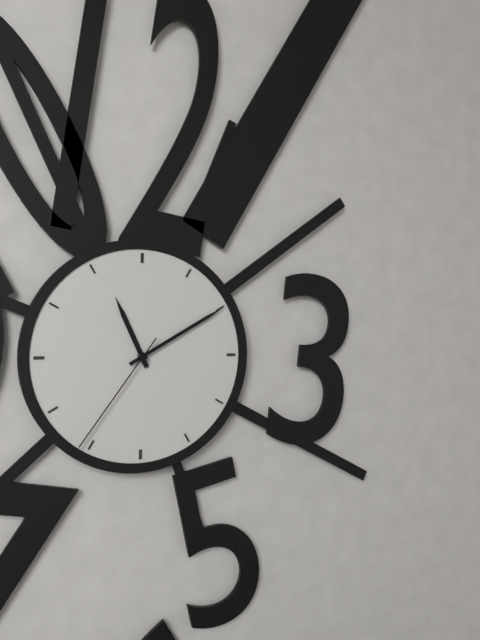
11:10:36
